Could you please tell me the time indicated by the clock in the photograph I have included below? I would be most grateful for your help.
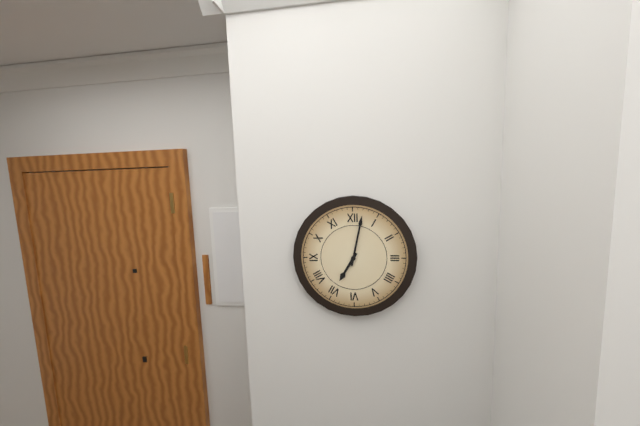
7:02
